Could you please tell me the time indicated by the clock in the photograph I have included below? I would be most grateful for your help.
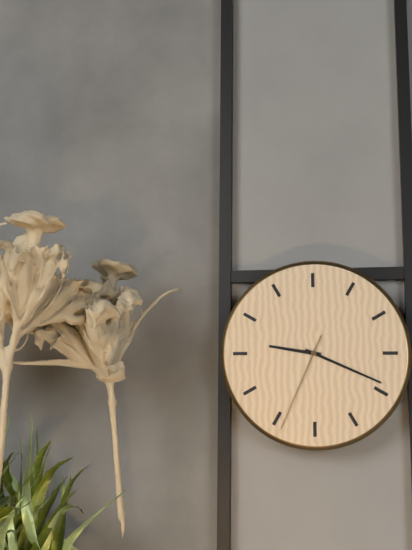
9:19:34
